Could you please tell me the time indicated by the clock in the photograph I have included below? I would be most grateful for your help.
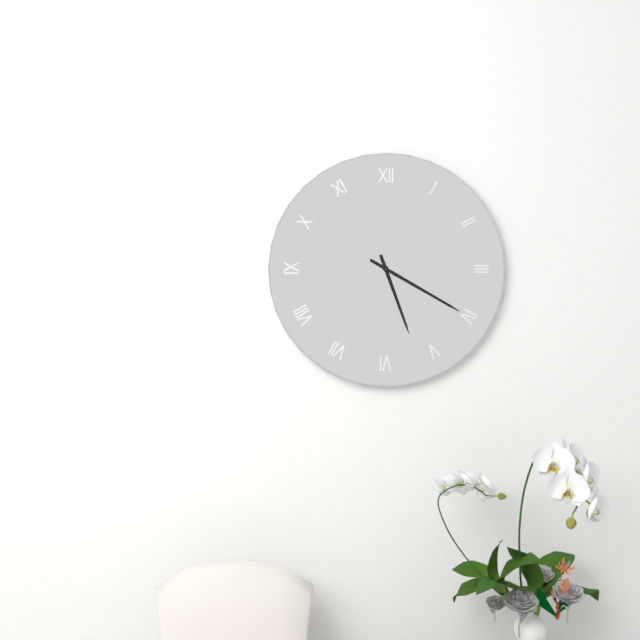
5:20
